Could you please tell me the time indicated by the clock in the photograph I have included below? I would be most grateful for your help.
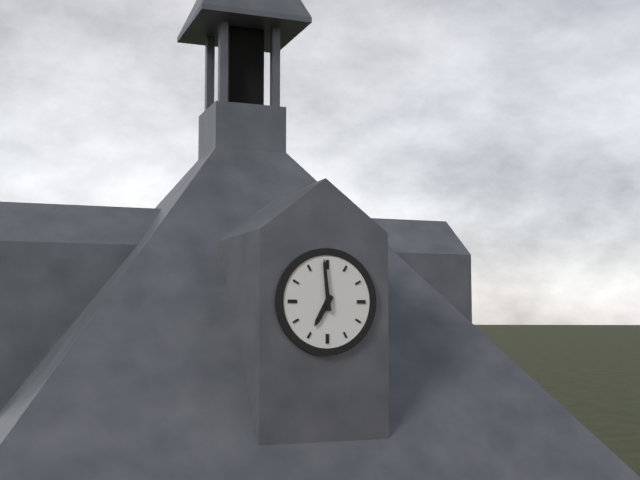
6:59
